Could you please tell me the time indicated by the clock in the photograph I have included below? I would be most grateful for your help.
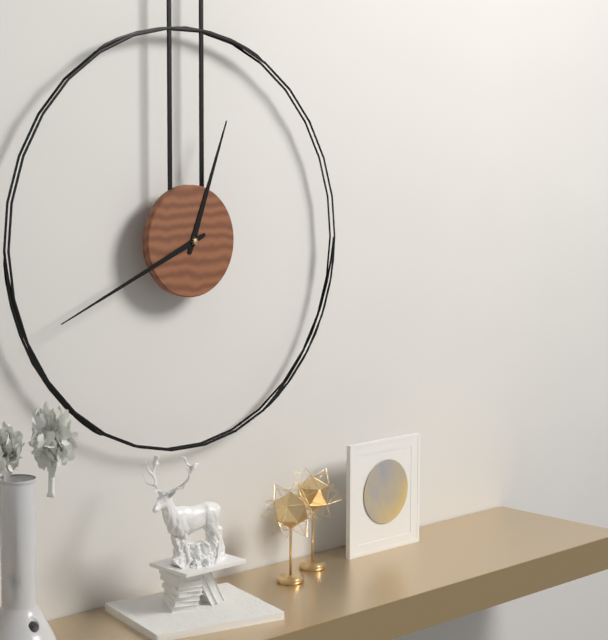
12:41
